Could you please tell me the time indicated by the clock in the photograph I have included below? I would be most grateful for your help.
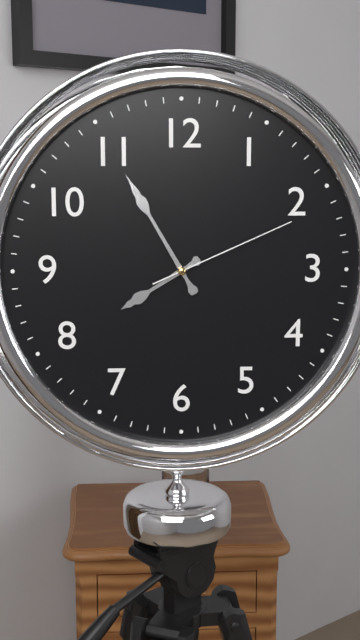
7:55:11
